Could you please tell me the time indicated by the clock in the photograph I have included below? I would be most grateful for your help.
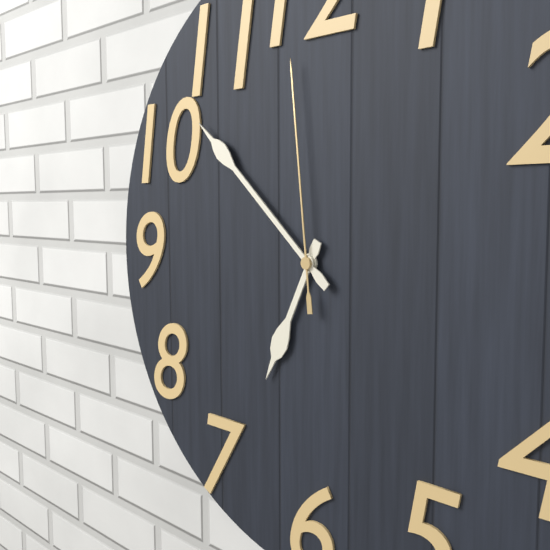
6:52:59
